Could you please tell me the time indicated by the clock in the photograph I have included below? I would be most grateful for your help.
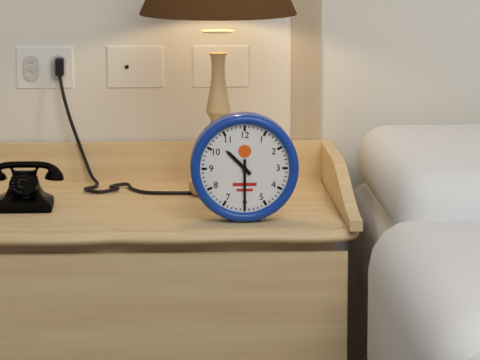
10:30
